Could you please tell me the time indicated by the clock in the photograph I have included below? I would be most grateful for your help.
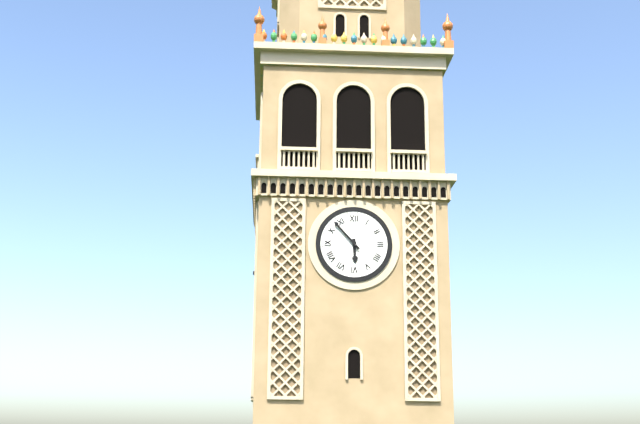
5:53
